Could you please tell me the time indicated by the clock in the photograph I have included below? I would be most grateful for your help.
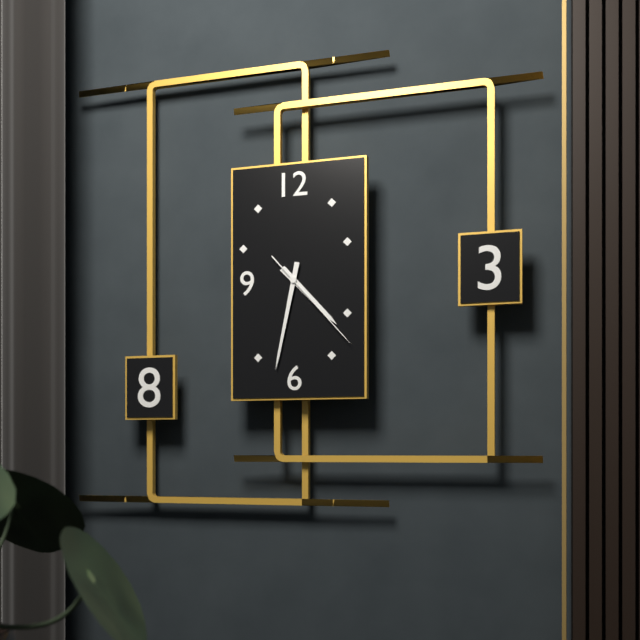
4:32:23
